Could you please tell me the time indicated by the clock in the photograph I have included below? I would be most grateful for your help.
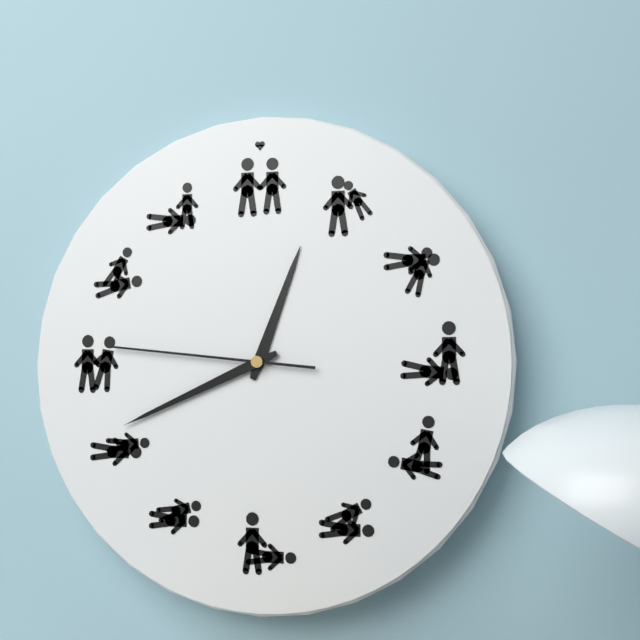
12:41:46
